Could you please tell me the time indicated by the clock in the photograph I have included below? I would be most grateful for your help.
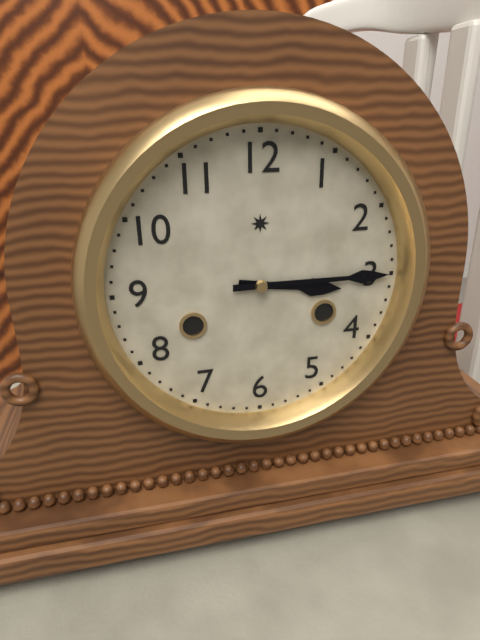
3:15
